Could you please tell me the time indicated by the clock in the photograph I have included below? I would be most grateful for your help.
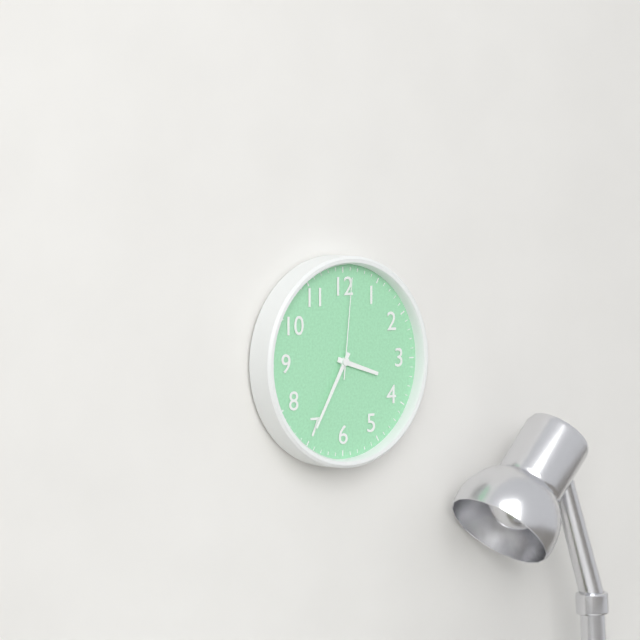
3:35:01
